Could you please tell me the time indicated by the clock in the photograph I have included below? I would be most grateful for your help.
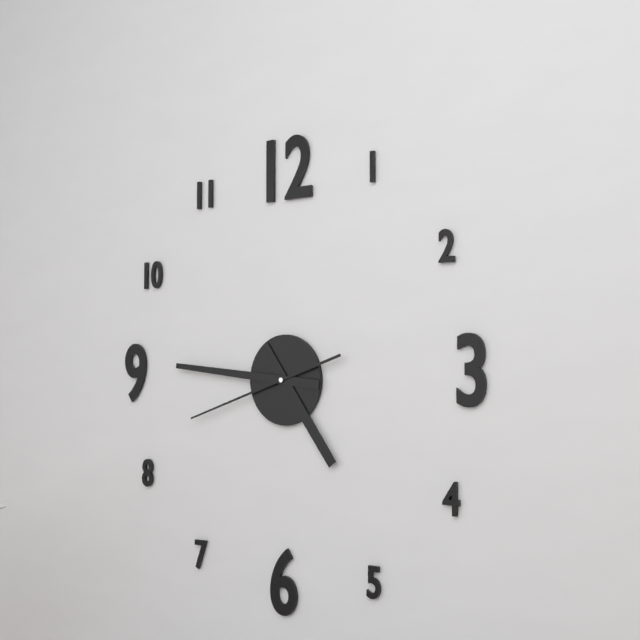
4:46:42
